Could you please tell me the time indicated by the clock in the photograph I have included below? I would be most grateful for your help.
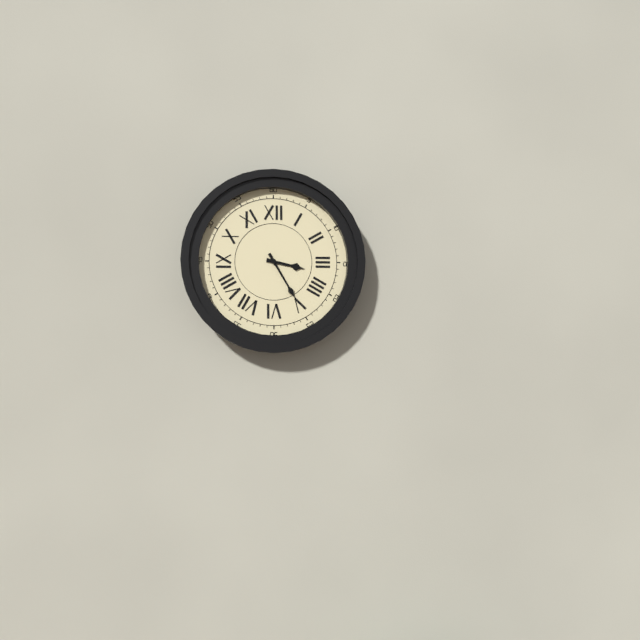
3:25
